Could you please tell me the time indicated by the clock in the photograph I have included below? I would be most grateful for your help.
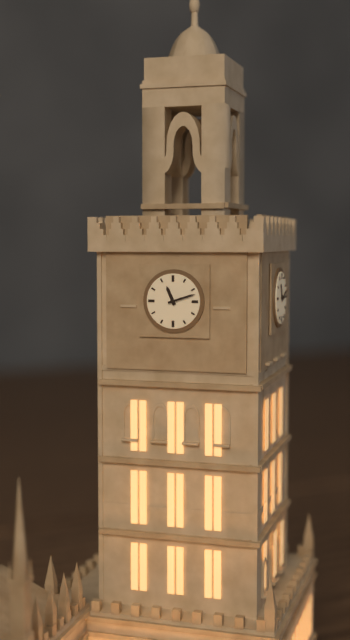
11:12
